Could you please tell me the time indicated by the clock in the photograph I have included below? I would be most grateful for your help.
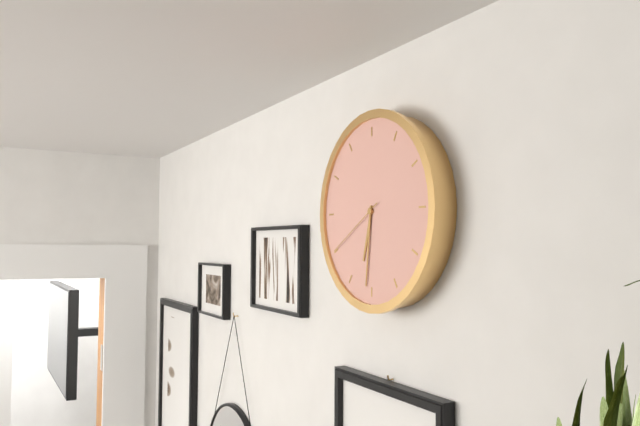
6:31:40
